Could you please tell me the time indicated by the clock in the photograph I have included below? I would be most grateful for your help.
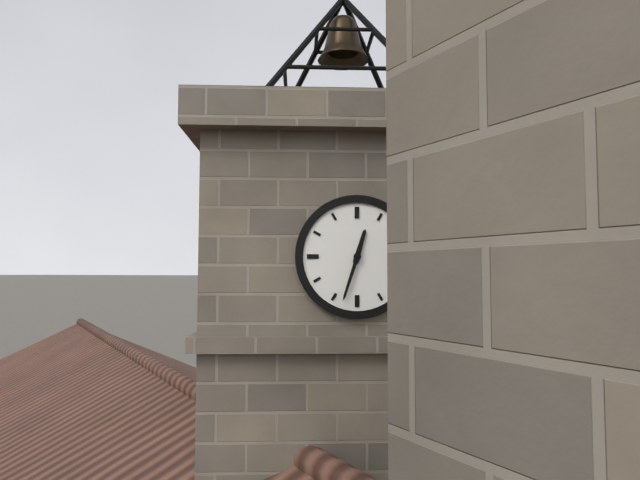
12:33
